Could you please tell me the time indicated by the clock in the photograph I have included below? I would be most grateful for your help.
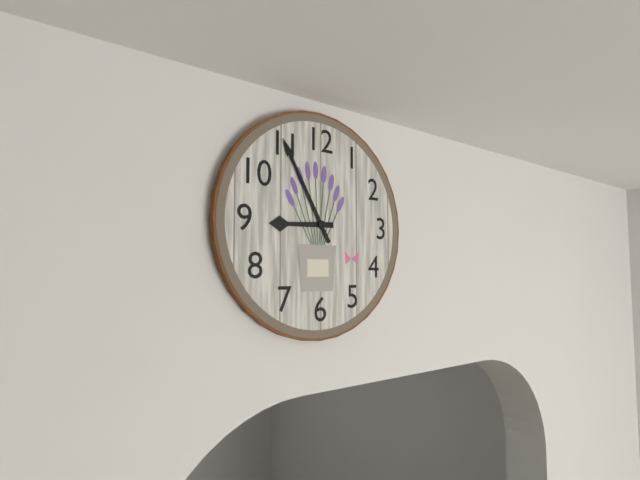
8:55
